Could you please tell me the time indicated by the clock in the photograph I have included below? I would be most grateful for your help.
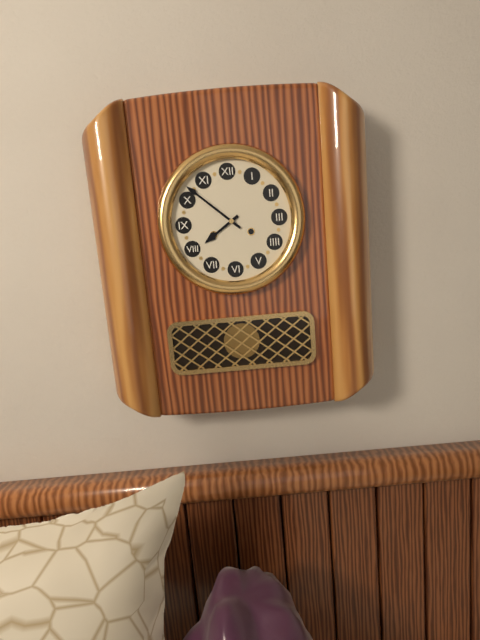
7:52
